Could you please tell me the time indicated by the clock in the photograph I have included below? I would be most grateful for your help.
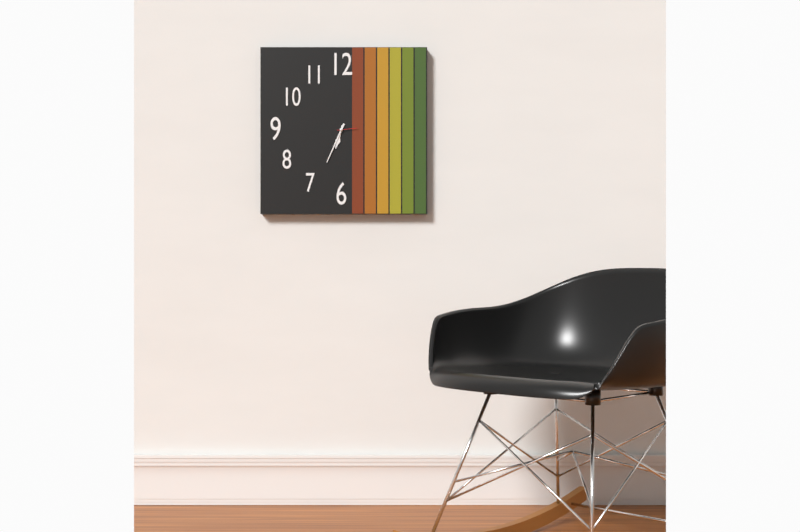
6:34
